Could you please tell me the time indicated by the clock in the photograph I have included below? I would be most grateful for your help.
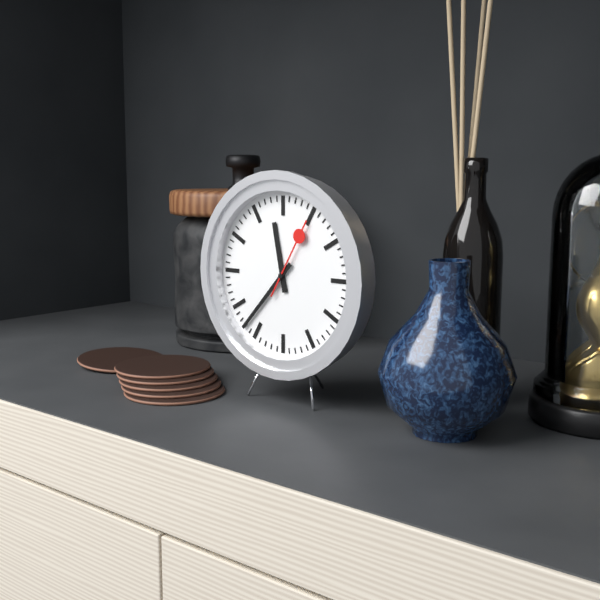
11:37:05
